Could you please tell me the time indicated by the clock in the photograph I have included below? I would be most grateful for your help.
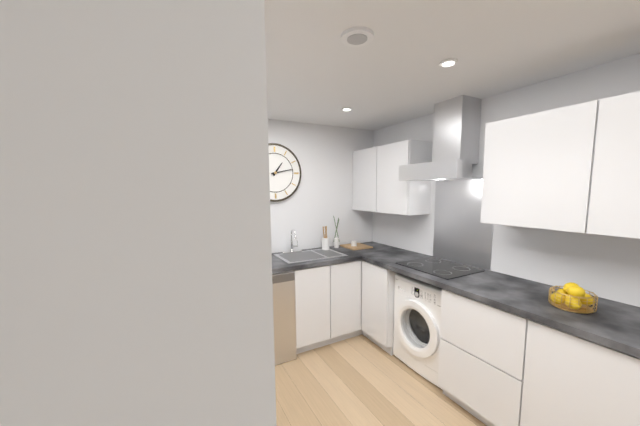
1:13
